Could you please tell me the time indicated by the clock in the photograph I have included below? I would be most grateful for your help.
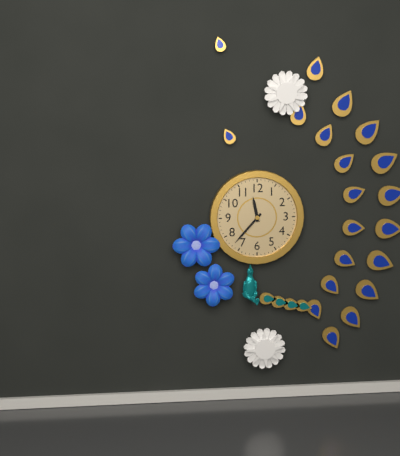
11:37
